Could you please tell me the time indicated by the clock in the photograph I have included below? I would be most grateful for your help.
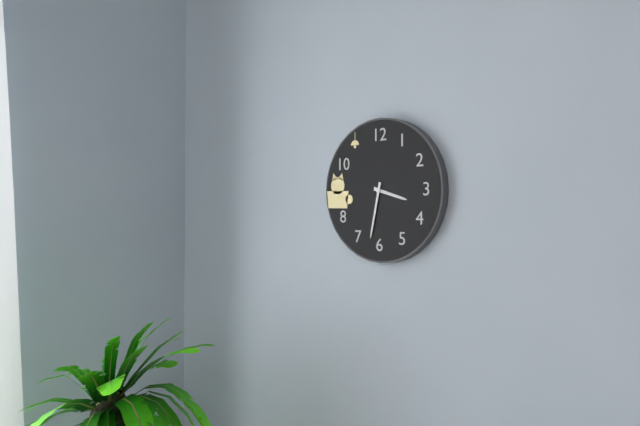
3:32
